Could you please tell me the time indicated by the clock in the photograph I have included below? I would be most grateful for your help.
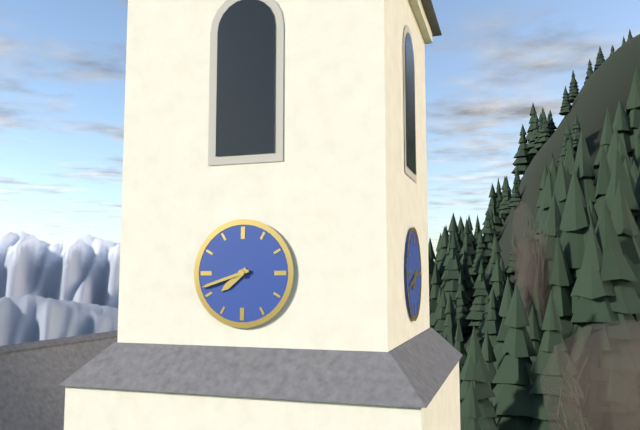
7:42
